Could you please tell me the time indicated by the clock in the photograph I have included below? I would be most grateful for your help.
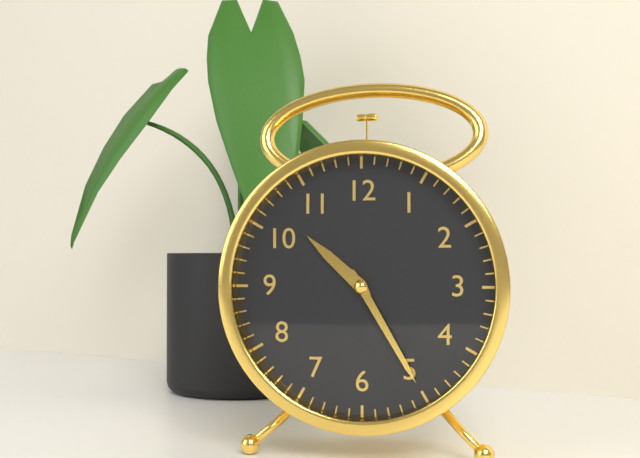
10:25
